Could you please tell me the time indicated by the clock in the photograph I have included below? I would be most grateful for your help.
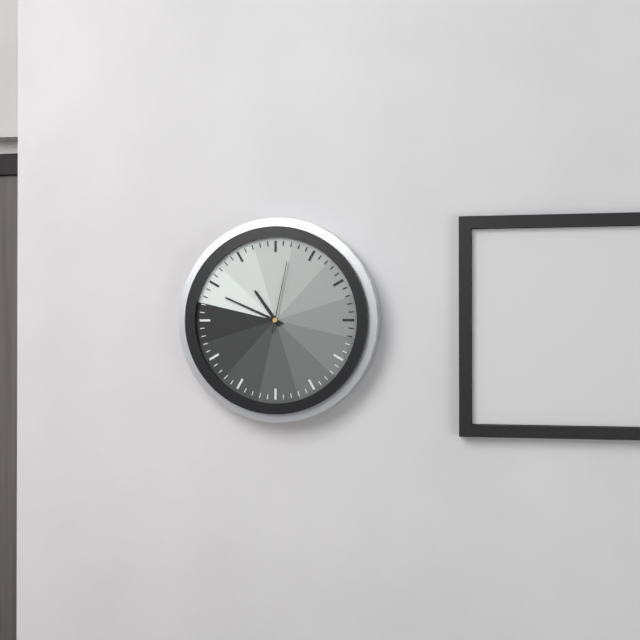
10:49:02
